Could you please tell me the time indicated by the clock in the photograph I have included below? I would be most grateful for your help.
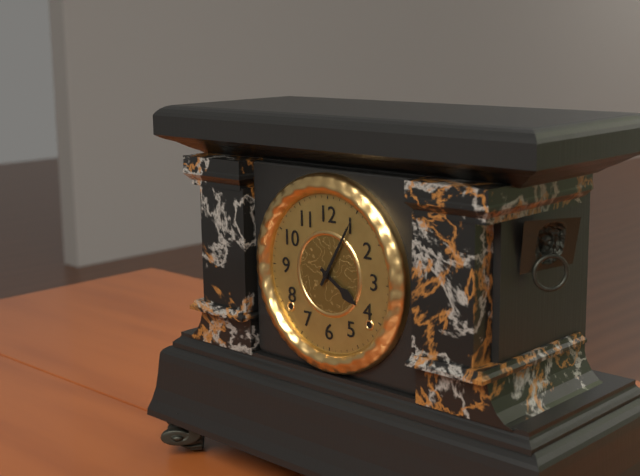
4:05
